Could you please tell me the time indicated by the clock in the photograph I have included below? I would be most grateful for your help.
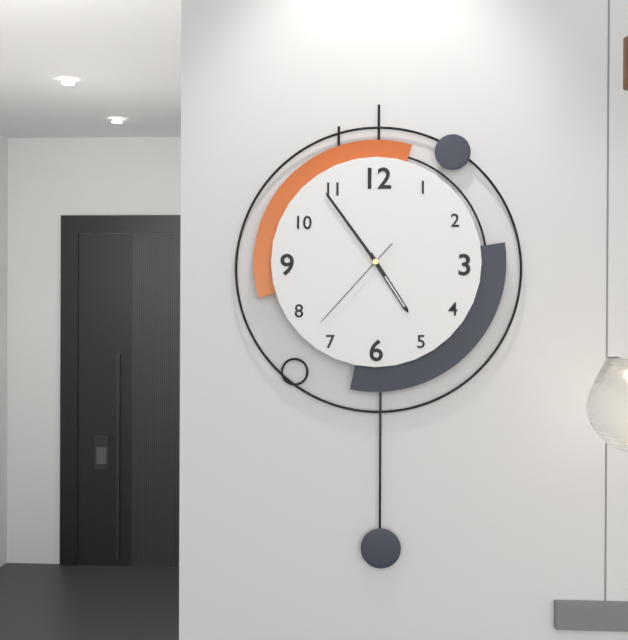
4:54:37
